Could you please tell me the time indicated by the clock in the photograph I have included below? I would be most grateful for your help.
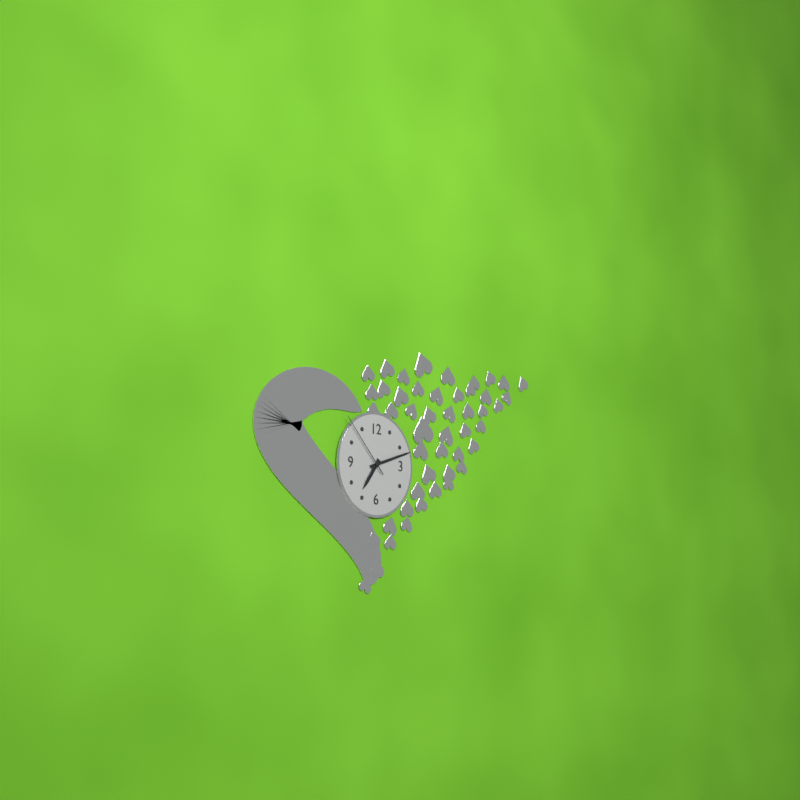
7:12:53
